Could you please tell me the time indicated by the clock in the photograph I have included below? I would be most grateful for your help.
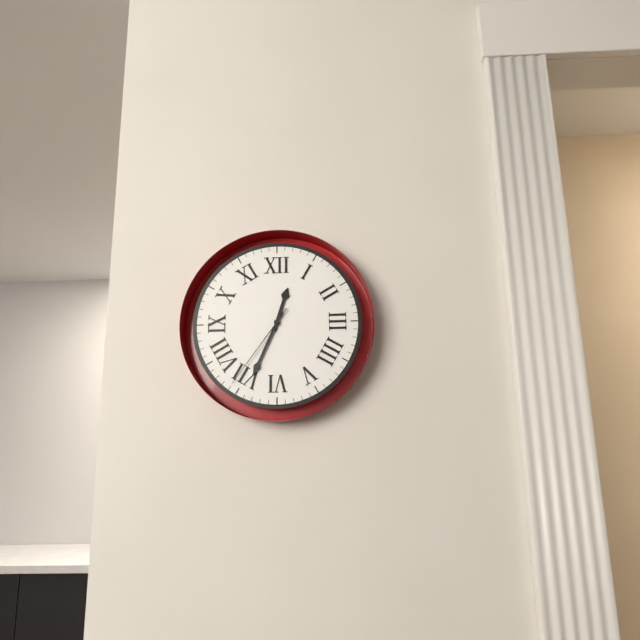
12:34:36
